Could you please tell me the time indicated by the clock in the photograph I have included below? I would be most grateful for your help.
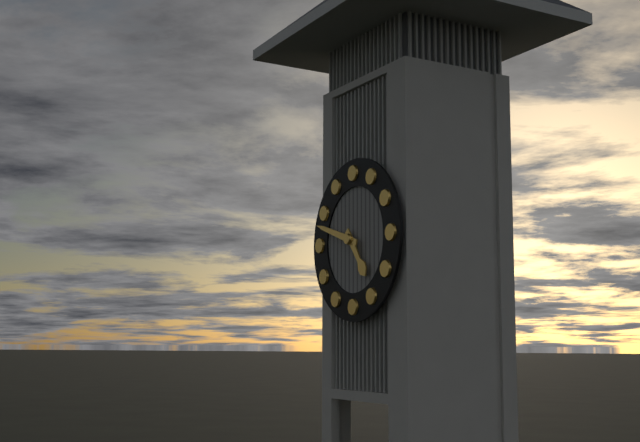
4:48
